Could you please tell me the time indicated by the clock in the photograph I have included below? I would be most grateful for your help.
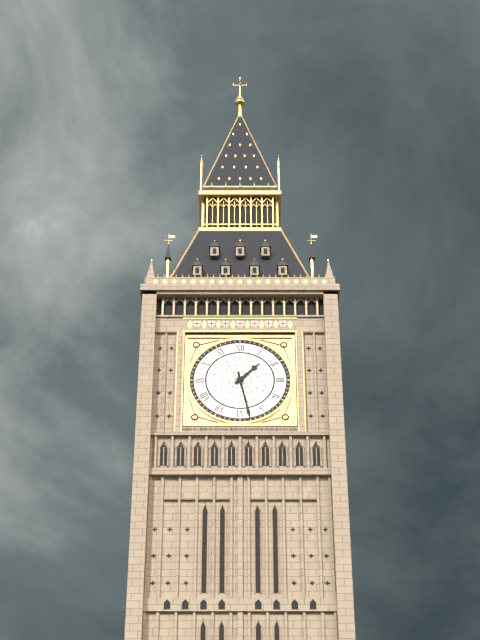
1:28
